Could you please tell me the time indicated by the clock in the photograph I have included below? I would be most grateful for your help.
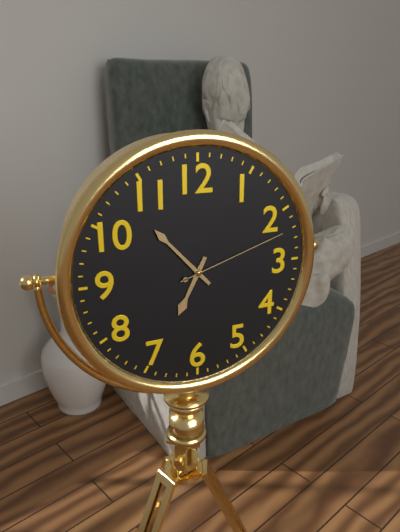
6:53:12
